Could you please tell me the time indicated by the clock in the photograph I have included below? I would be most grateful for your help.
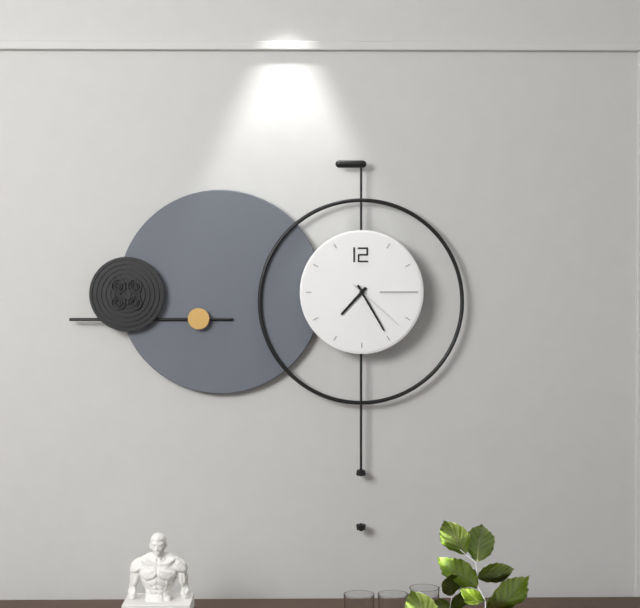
7:25:22
